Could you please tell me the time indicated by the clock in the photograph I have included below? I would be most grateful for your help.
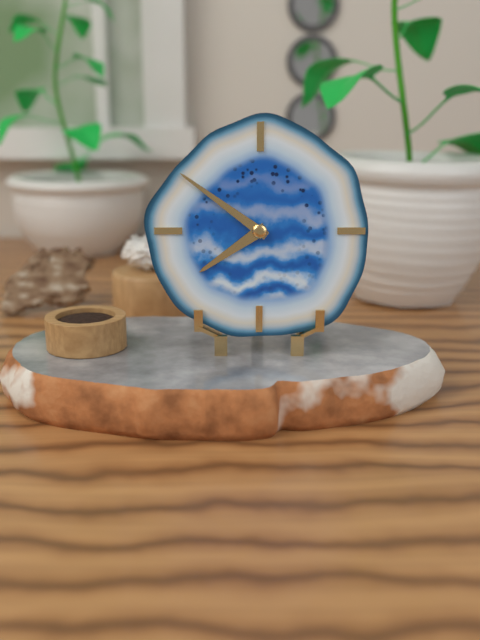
7:51
